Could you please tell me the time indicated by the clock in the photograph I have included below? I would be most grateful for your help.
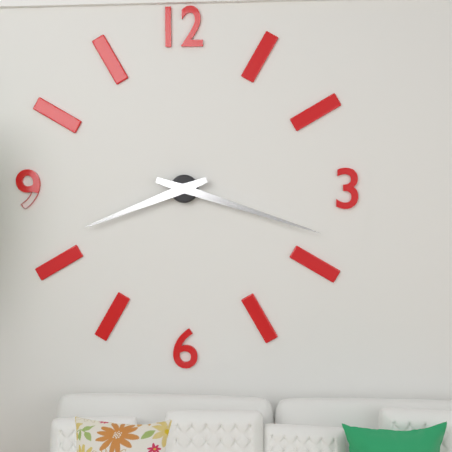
8:18
